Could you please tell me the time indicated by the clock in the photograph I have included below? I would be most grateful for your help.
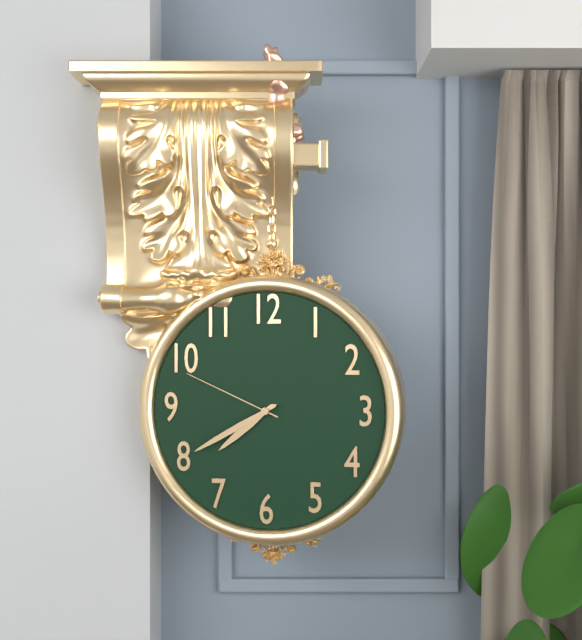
7:40:49
